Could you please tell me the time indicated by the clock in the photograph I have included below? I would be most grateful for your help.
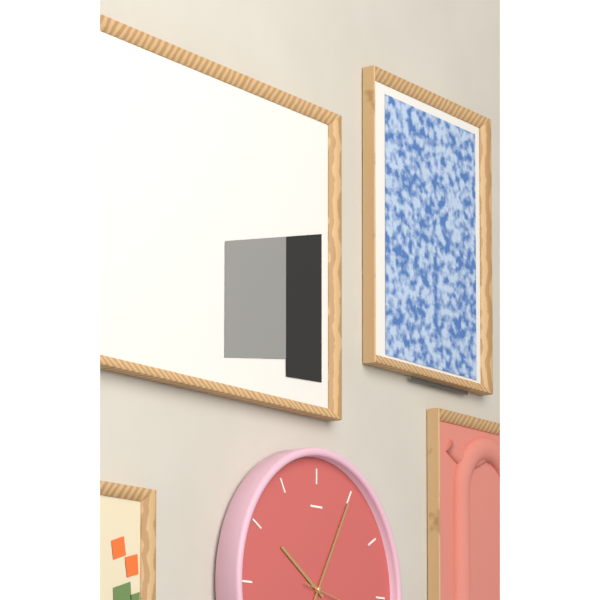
10:05
